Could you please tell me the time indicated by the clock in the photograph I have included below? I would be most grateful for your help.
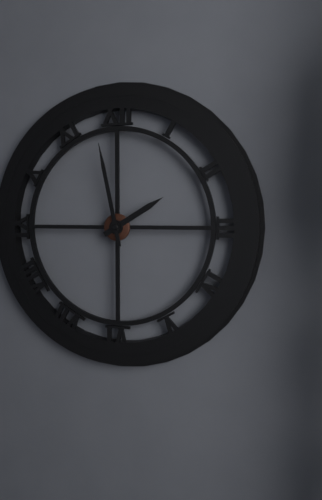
1:58
